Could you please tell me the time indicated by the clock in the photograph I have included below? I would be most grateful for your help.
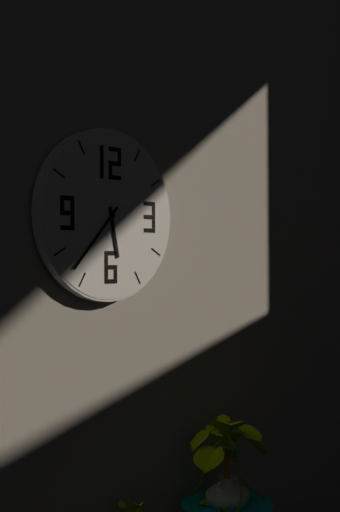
5:37
